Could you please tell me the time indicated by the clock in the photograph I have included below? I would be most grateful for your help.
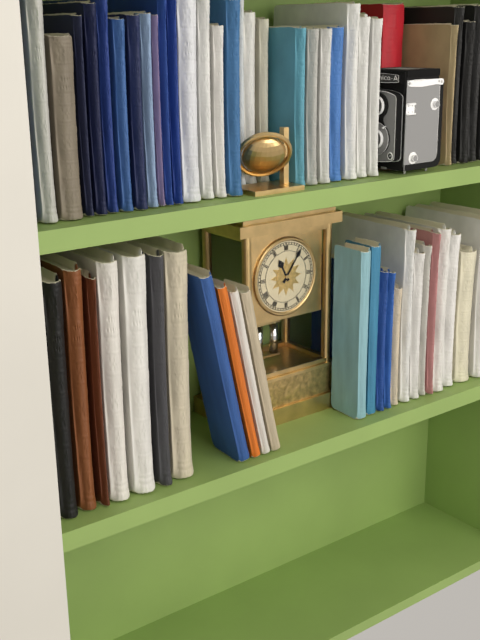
11:06
